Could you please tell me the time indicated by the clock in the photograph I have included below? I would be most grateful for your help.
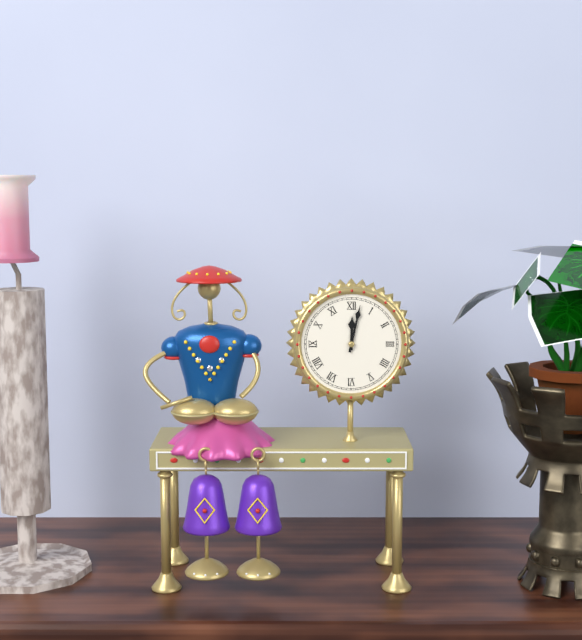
12:02
